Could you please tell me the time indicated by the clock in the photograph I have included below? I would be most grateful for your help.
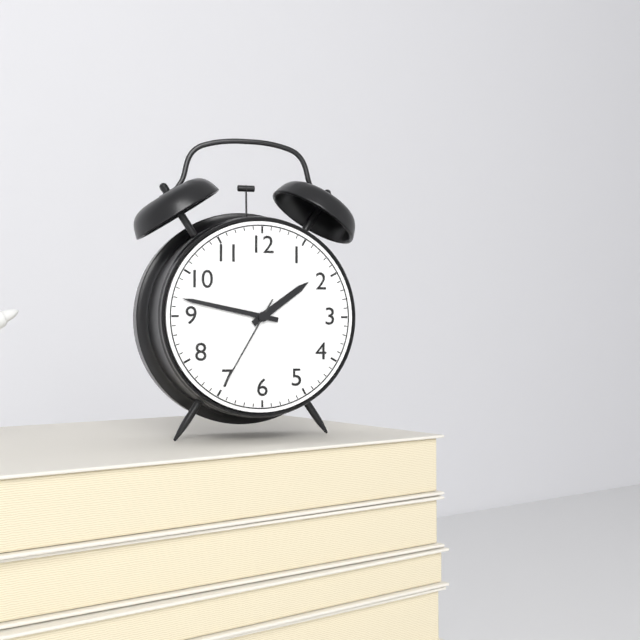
1:47:35
